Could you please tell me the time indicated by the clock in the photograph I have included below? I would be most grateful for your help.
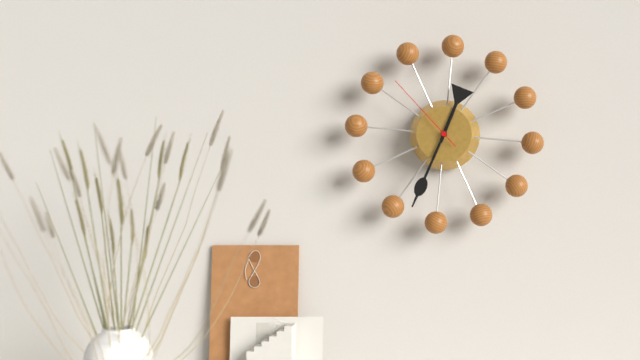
12:33:52
